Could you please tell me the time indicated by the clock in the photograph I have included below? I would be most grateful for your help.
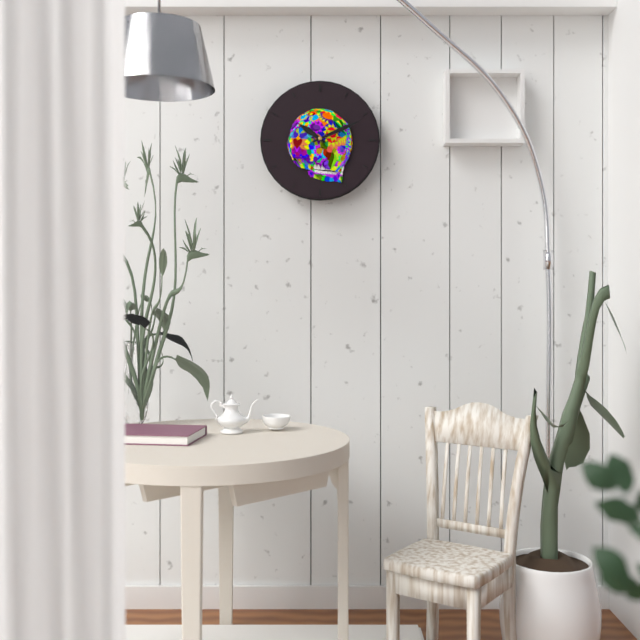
10:11
